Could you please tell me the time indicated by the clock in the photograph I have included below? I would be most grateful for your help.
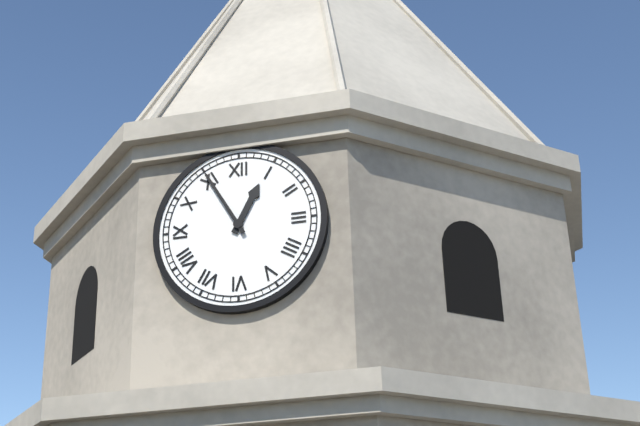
12:55
